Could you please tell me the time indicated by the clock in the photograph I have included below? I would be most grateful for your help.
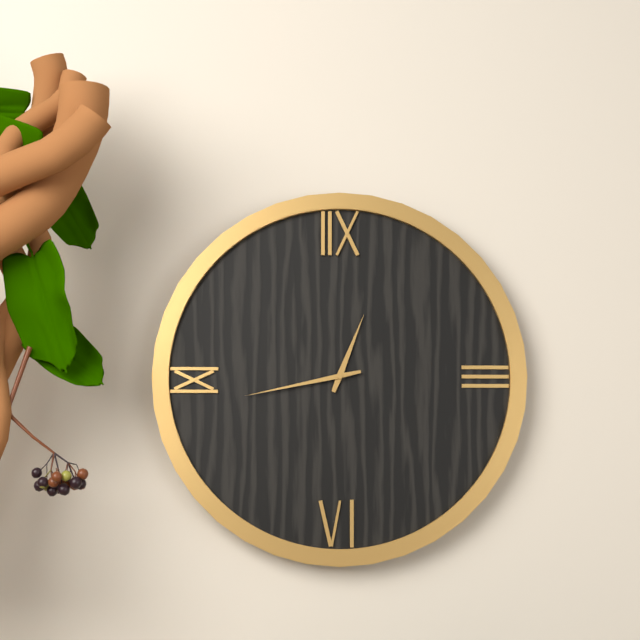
12:43
